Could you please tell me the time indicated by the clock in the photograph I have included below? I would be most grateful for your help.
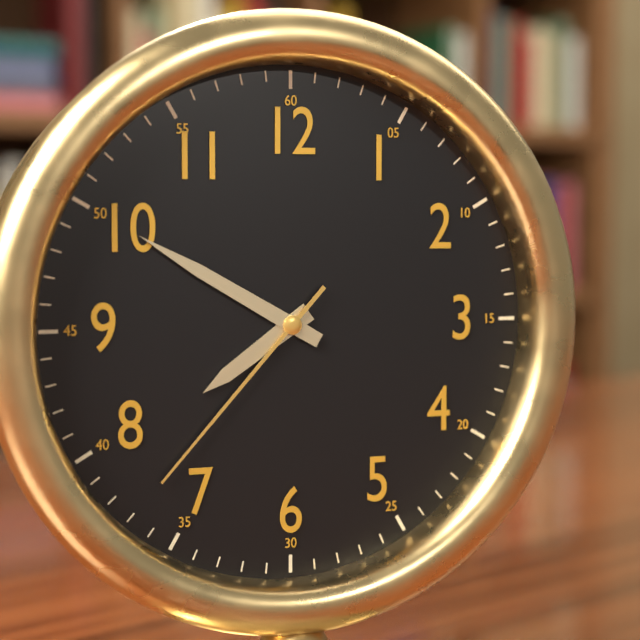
7:50:37
